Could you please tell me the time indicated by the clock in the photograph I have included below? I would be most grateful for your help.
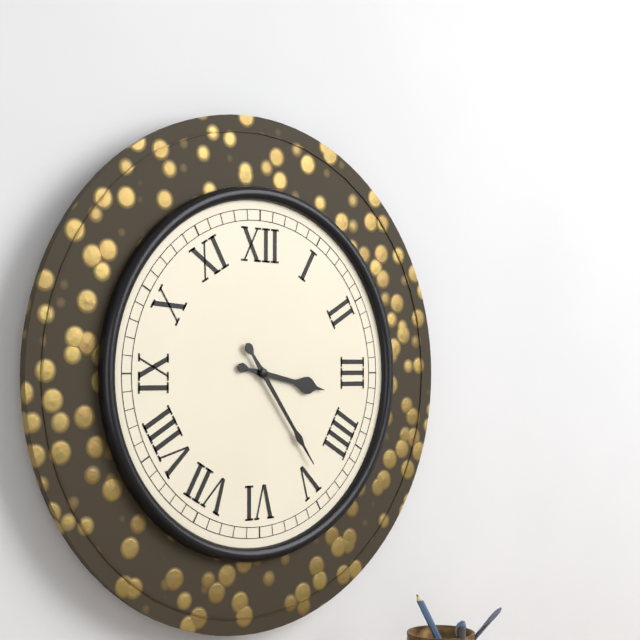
3:24
